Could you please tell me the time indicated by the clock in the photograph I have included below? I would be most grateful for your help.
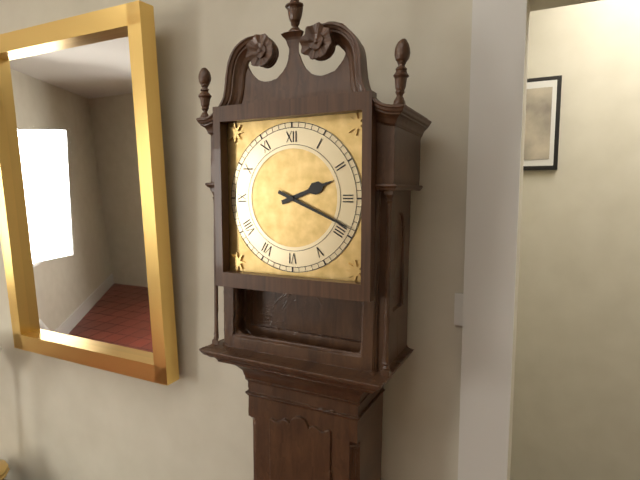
2:19
